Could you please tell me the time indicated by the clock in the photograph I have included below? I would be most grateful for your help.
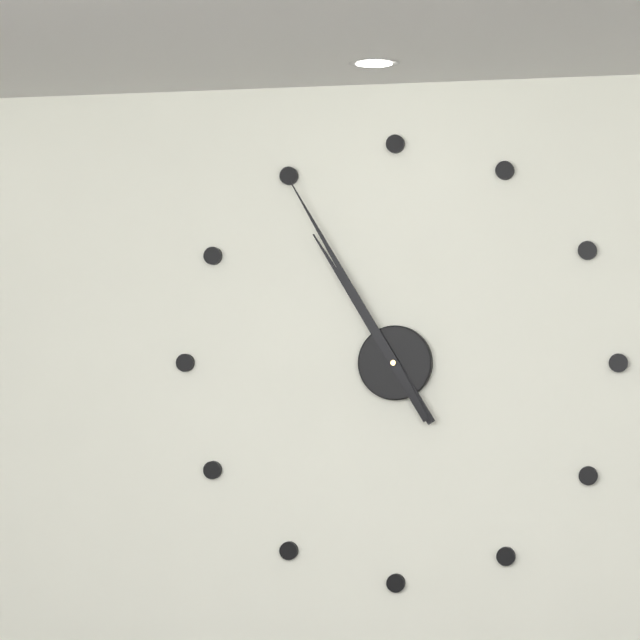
10:55
